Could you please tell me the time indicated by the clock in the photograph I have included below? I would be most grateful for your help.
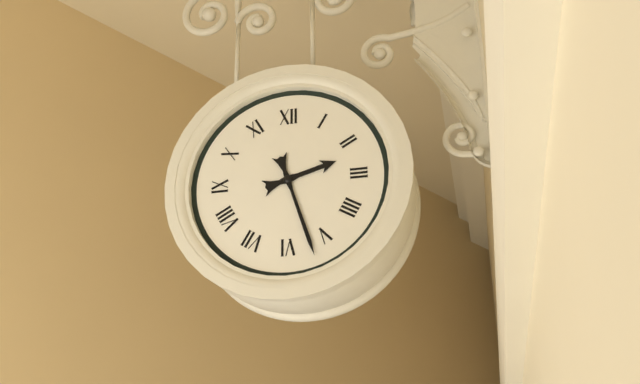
2:27
